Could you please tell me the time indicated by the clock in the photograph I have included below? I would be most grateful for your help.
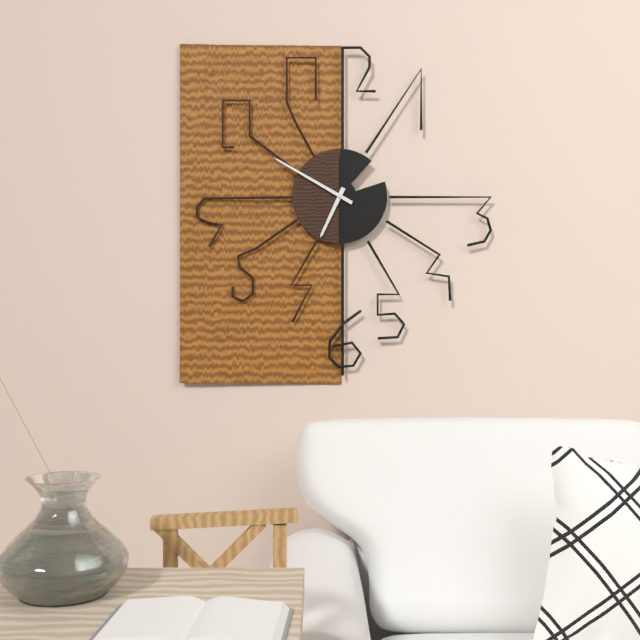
6:50
